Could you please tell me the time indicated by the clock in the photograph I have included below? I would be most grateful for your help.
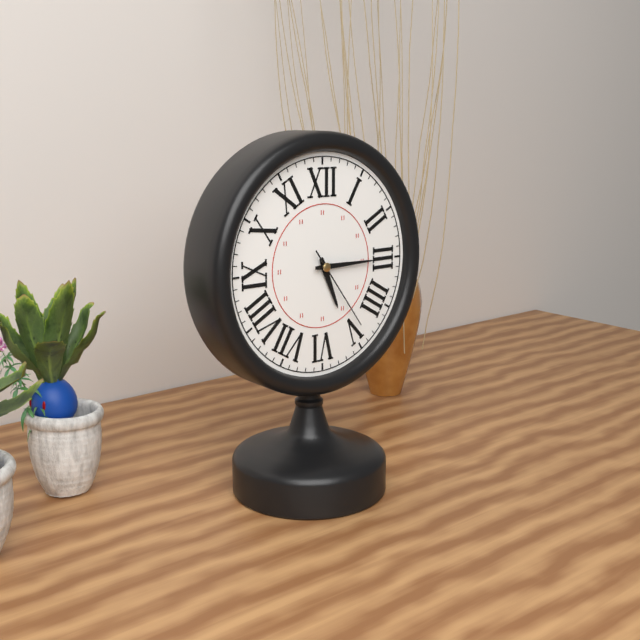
5:15:24
